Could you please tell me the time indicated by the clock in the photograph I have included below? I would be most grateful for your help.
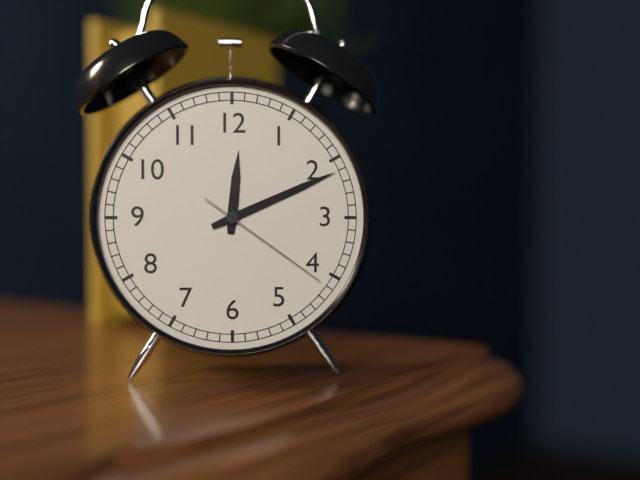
12:11:21
